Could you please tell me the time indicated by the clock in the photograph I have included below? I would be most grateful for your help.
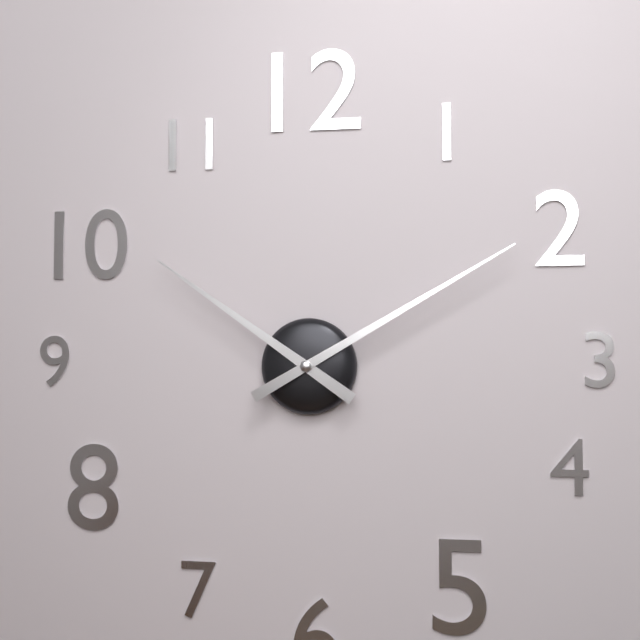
10:10
